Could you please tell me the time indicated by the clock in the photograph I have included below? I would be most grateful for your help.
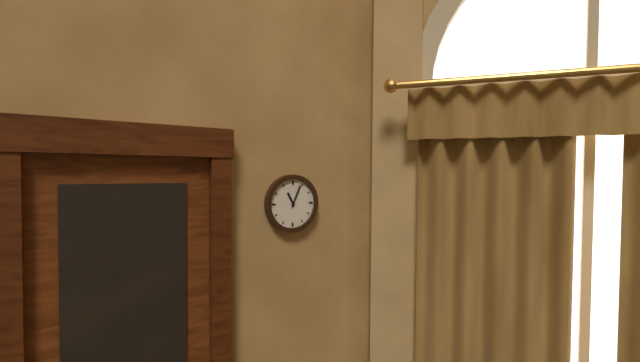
11:04
